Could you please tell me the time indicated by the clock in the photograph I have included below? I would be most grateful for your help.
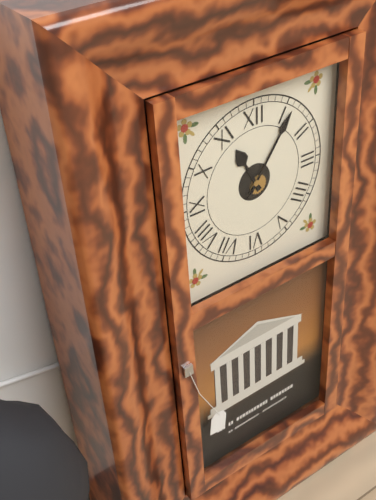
11:06
